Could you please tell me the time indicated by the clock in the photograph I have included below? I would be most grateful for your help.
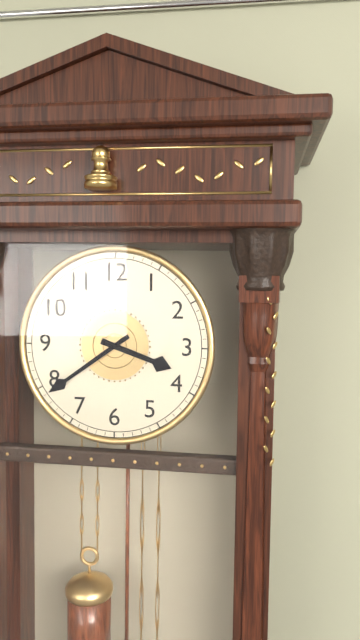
3:39
